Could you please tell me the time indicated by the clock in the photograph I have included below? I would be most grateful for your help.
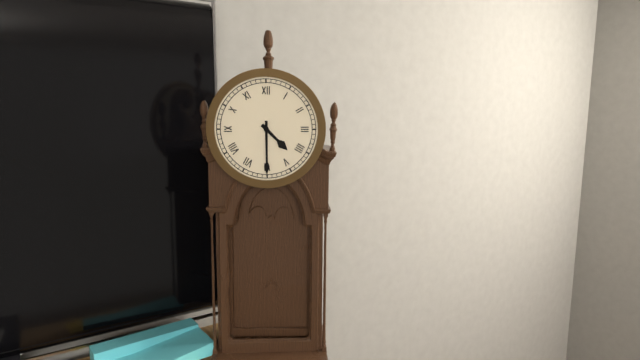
4:30
